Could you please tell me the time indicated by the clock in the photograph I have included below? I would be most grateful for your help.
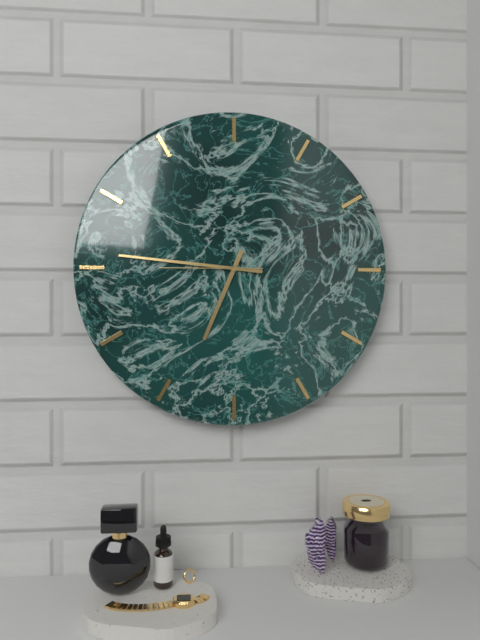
6:46:45
